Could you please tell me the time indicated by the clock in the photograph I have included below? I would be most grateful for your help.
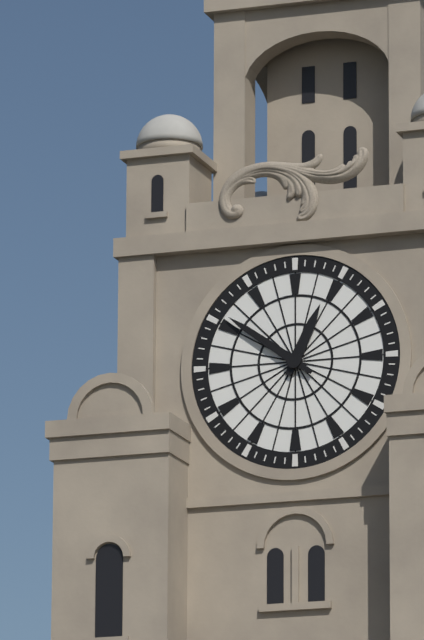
12:51
